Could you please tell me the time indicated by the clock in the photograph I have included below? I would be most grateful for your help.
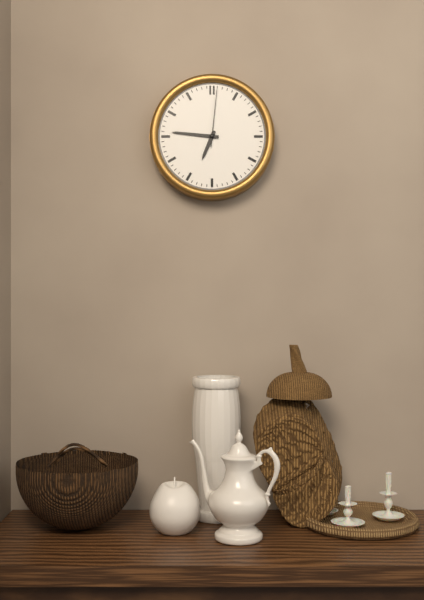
6:46:01
